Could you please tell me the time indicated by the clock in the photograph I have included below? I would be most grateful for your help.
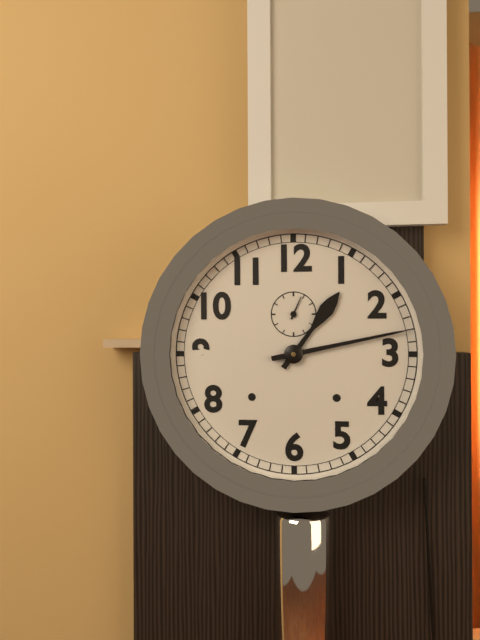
1:13
